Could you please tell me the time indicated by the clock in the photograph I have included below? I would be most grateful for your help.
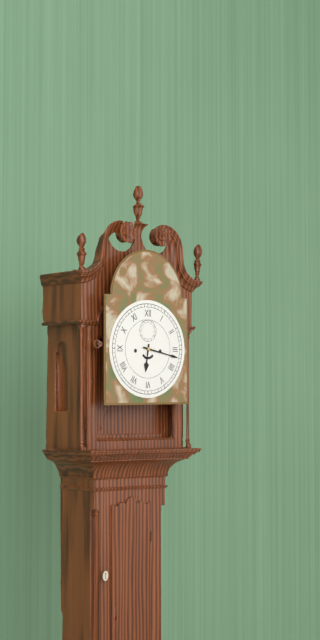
6:17
